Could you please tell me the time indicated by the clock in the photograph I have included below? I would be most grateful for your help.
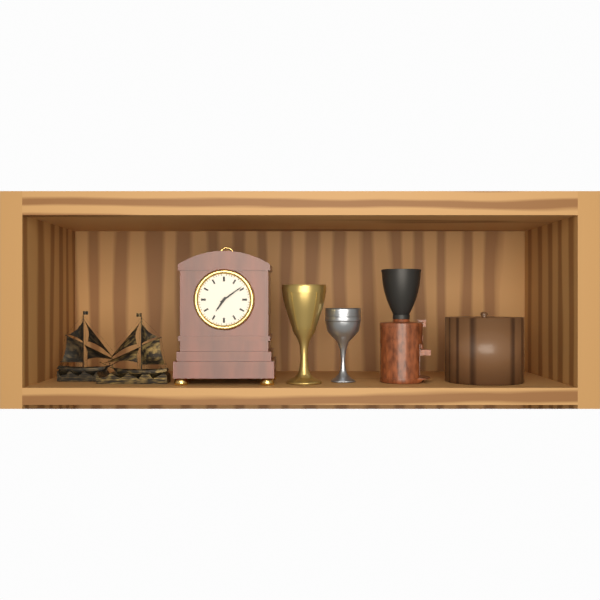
7:09
